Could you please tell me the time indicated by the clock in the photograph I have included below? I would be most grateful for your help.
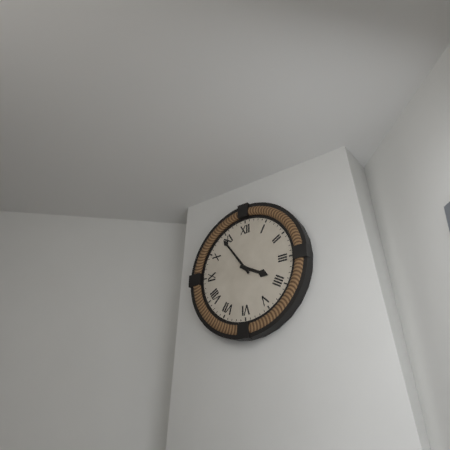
3:54
